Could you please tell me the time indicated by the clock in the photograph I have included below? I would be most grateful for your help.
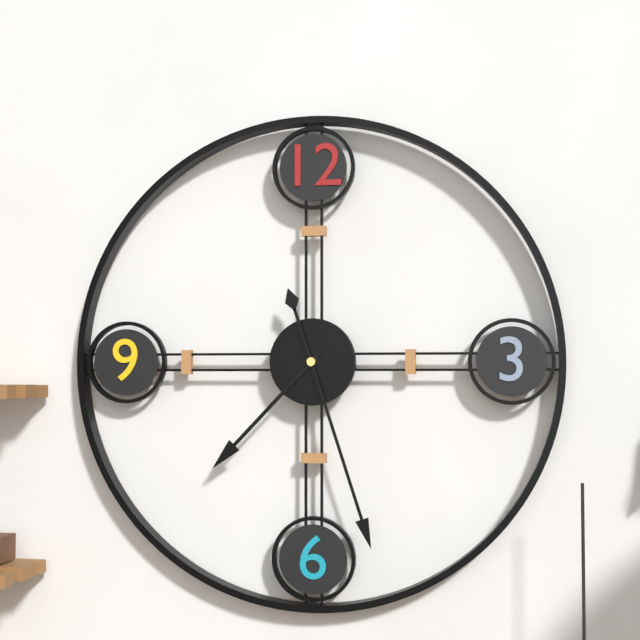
7:27
